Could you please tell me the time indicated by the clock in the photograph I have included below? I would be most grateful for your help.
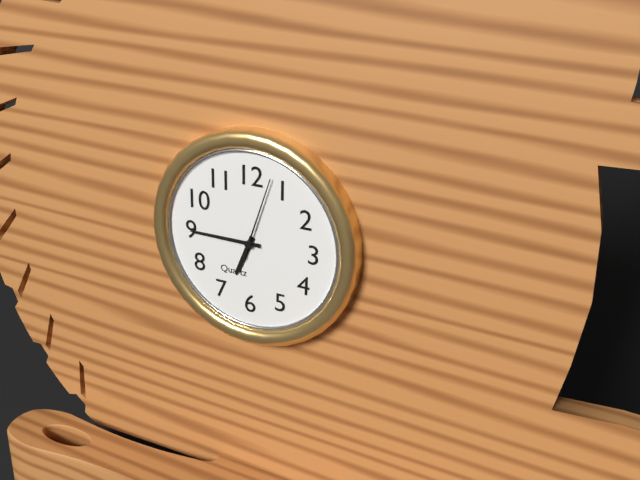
6:45:03
